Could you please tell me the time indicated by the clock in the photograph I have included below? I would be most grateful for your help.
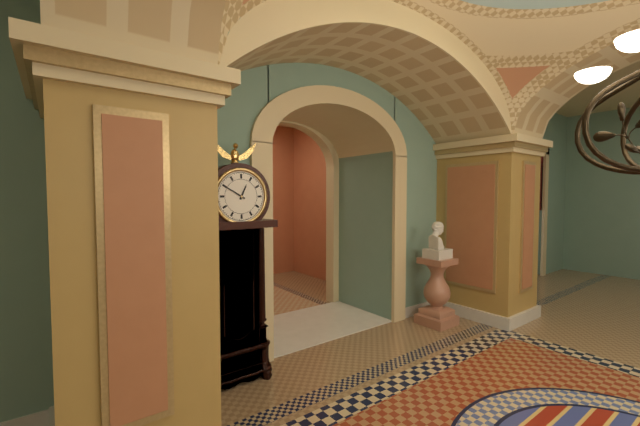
12:50
